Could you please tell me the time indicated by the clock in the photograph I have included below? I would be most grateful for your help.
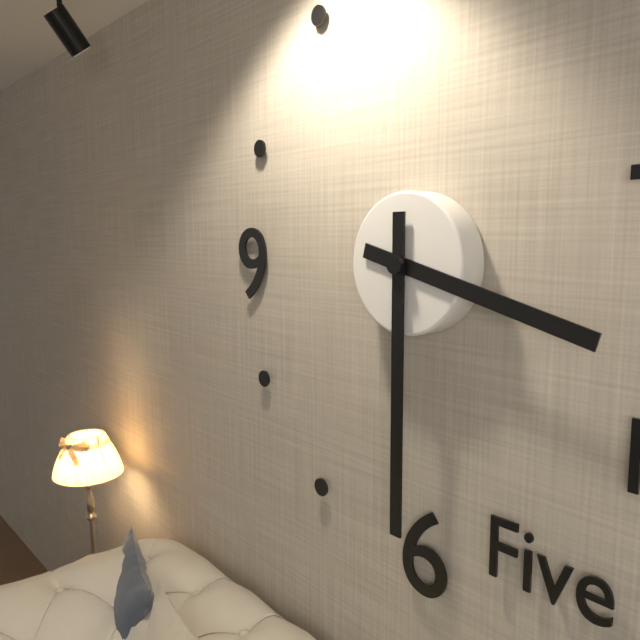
3:30
